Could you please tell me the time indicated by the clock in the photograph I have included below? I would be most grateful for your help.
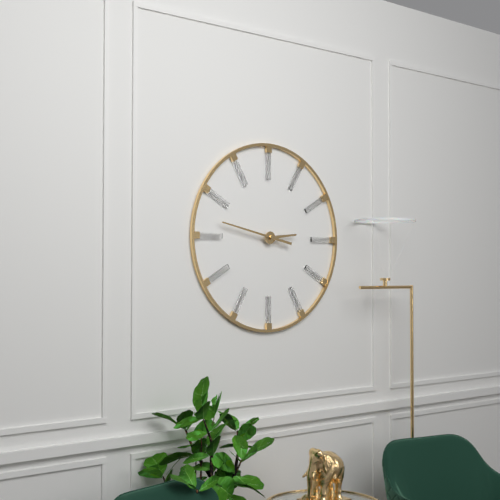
2:47
